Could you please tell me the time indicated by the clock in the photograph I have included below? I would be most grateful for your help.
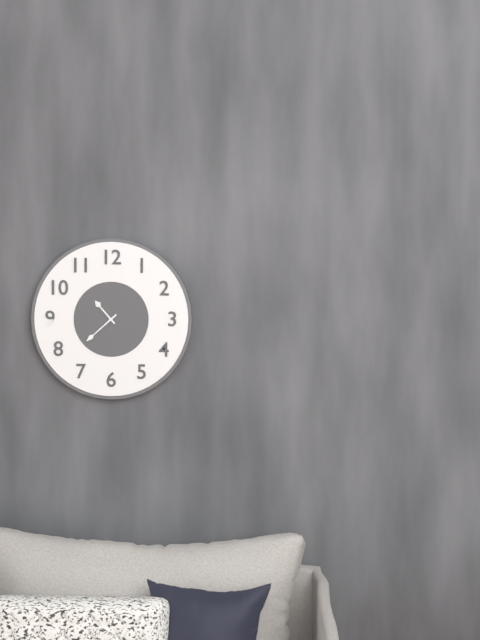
10:38
